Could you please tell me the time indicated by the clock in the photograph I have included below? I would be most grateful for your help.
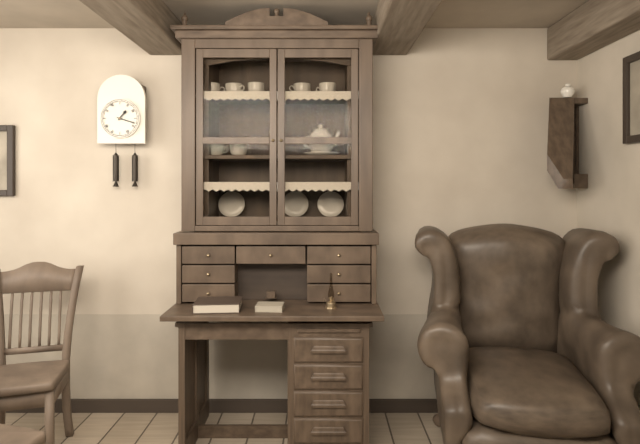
1:18
